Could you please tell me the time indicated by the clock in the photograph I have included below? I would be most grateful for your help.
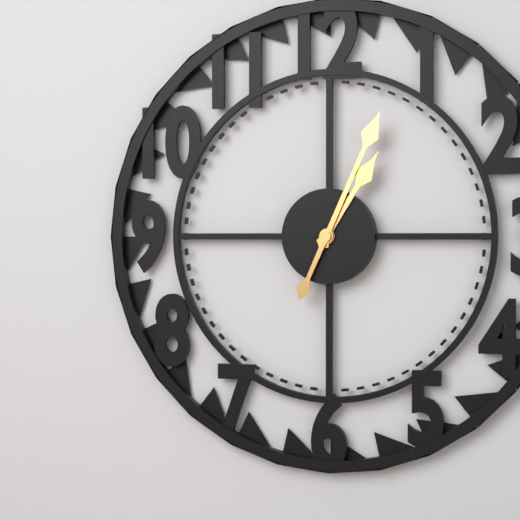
1:04
